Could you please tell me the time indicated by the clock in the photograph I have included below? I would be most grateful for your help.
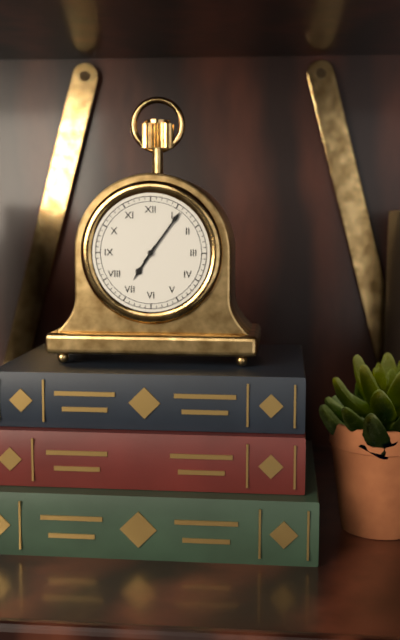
7:06
